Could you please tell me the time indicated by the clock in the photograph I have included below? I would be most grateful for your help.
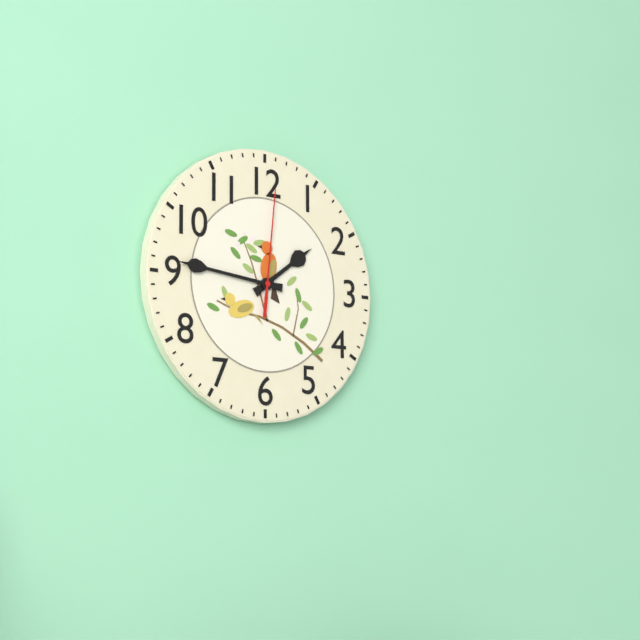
1:46:01
